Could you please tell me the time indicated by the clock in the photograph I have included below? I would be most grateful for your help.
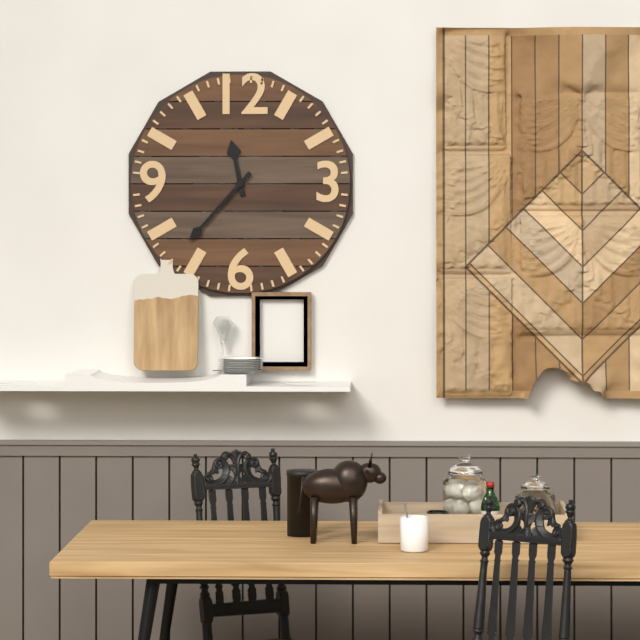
11:37
